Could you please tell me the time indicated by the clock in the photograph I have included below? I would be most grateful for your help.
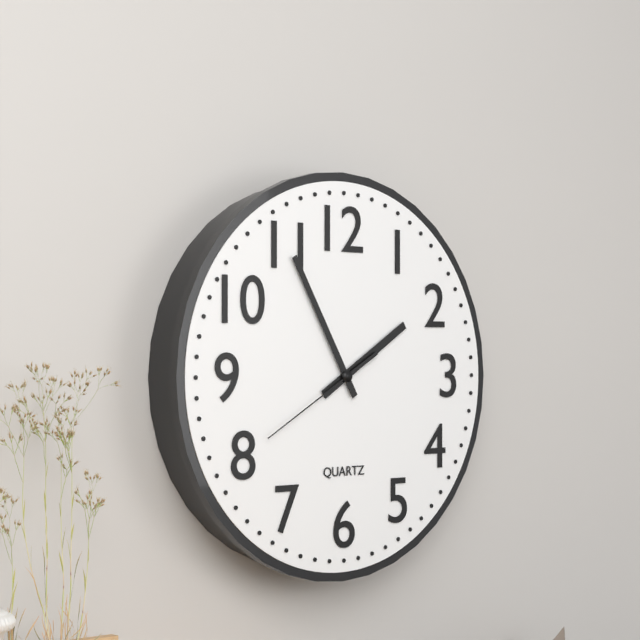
1:55:40
